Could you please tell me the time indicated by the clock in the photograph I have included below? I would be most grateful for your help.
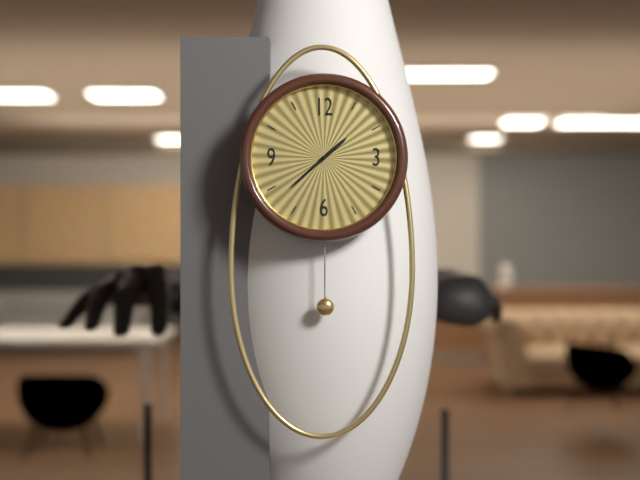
1:38
